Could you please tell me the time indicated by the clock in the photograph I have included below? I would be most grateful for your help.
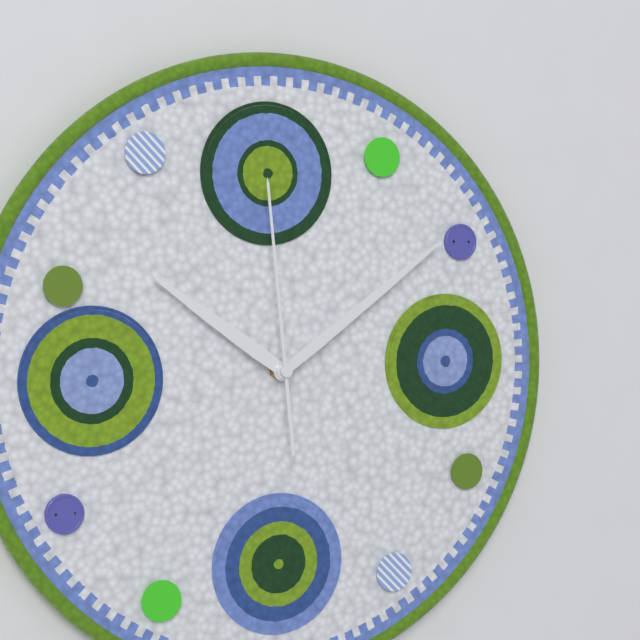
10:09:59
